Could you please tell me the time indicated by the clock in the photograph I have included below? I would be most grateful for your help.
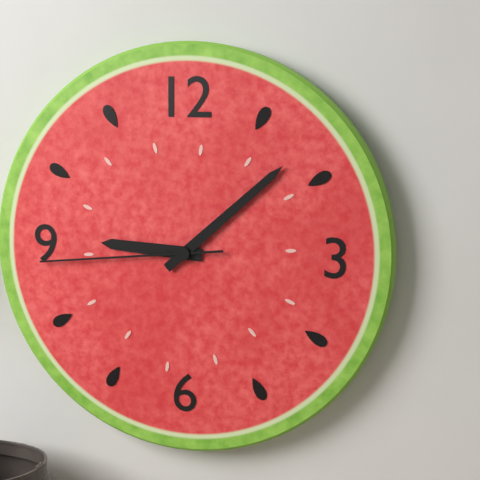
9:08:44
